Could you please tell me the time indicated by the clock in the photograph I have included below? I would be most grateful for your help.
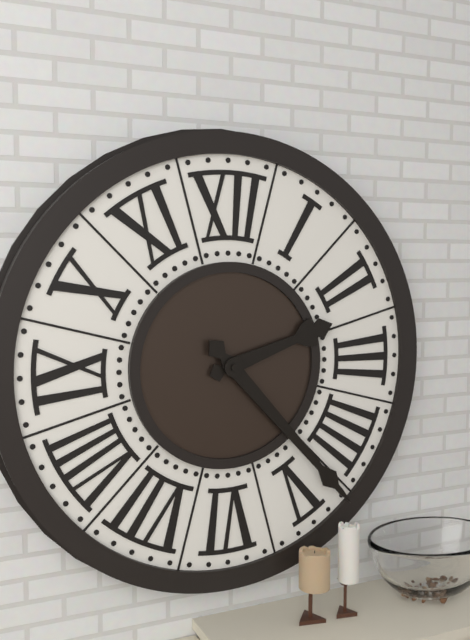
2:23
